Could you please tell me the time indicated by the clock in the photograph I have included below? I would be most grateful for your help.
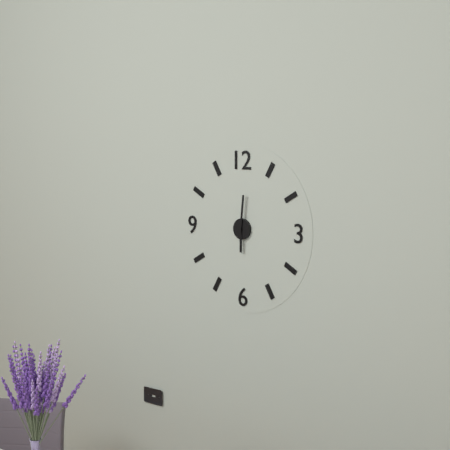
6:01
